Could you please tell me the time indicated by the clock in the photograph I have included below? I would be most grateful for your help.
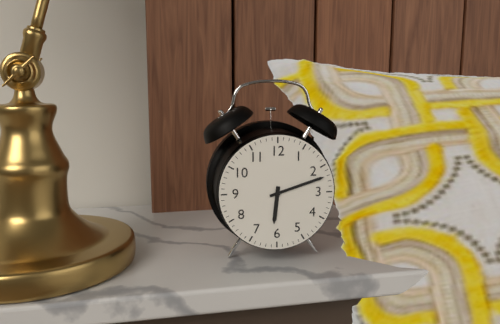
6:12
